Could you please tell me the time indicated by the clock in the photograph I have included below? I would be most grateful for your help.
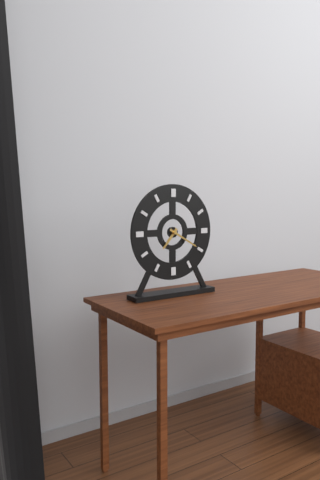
7:20
